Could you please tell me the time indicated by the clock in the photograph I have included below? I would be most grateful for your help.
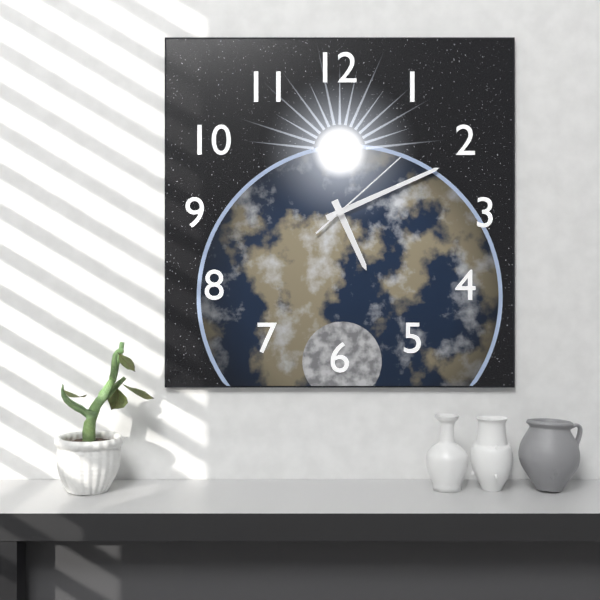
5:11:08
